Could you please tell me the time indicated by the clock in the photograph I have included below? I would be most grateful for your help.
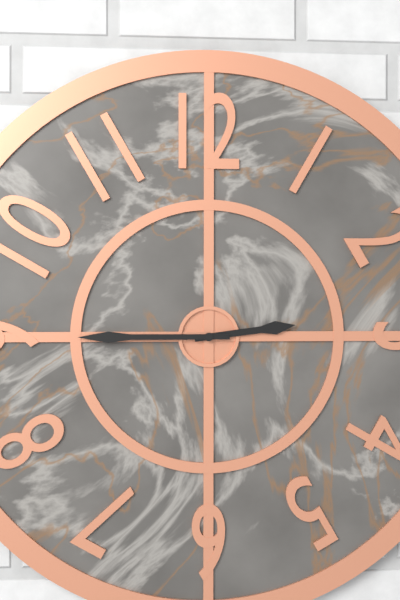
2:45
